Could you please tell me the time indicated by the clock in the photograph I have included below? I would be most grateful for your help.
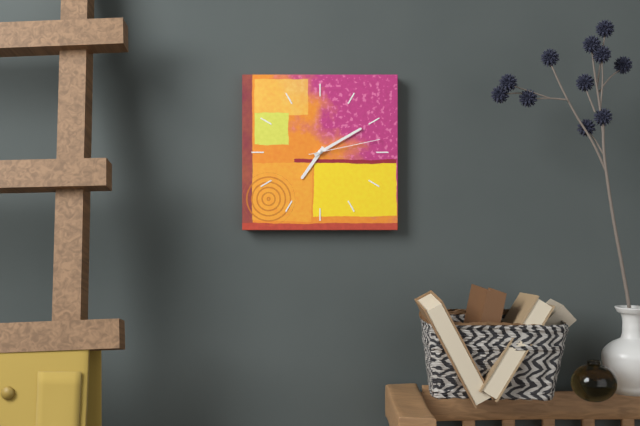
7:10:13
